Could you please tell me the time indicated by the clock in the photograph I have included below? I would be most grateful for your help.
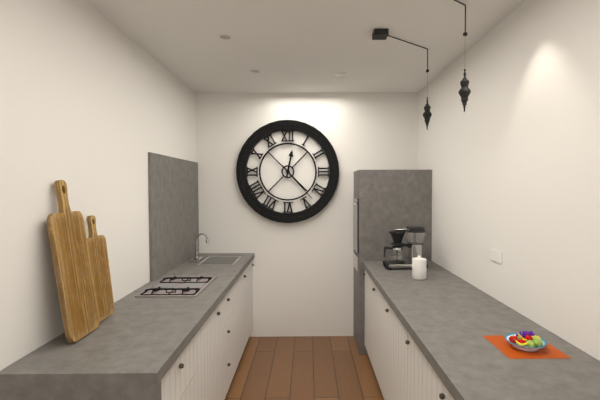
12:23
